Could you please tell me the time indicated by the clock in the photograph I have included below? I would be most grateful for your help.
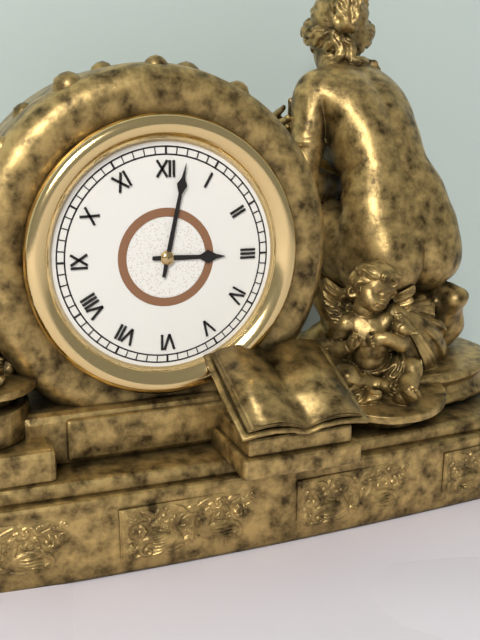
3:02
